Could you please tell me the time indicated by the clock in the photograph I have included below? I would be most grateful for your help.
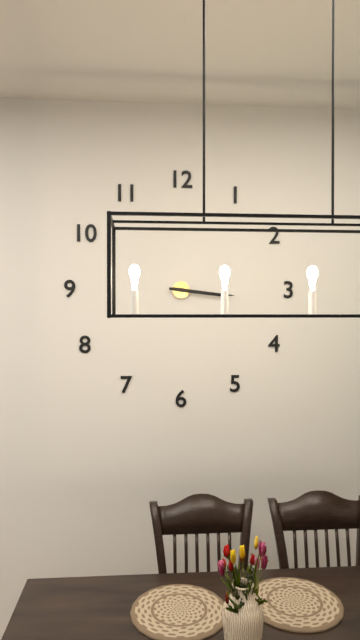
3:16
